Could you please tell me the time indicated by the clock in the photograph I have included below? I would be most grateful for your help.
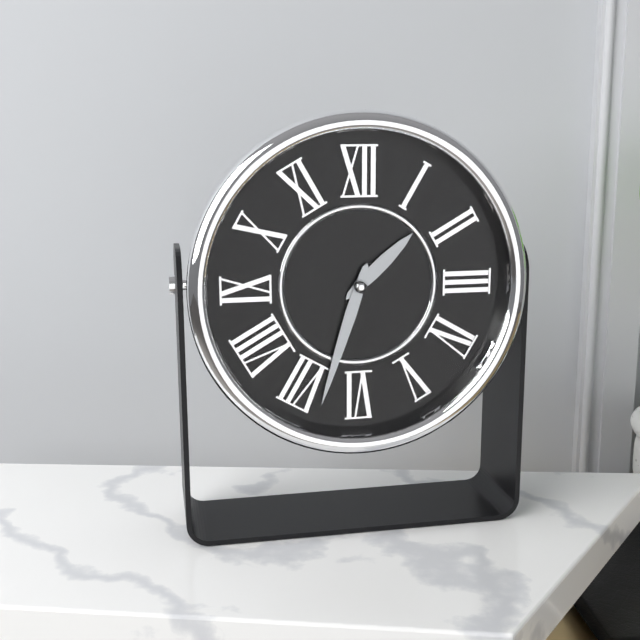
1:33
